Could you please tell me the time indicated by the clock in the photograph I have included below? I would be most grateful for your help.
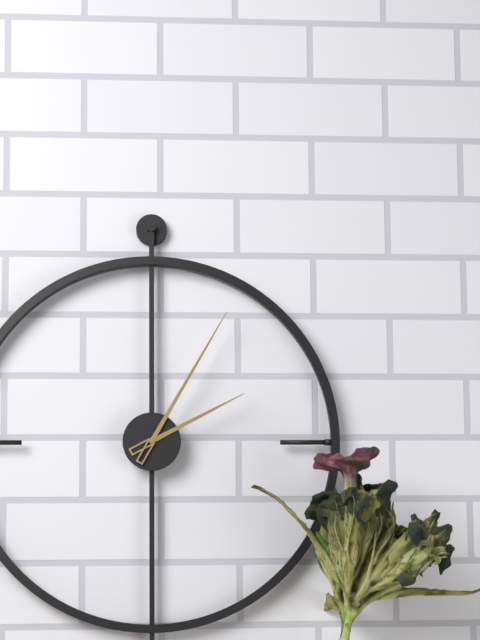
2:05
